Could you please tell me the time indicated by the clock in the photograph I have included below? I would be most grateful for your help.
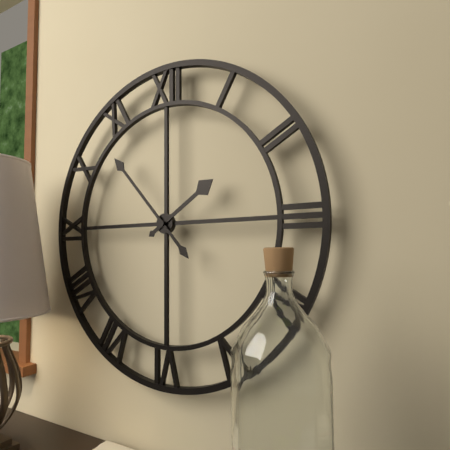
1:53
